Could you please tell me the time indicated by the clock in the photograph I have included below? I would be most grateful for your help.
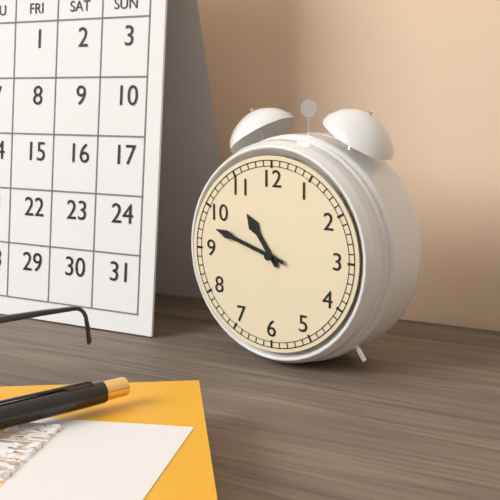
10:48
